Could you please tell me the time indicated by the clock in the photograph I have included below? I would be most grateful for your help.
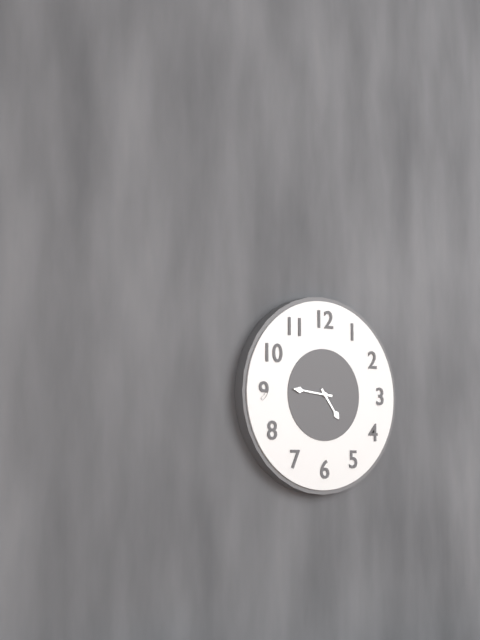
4:46
